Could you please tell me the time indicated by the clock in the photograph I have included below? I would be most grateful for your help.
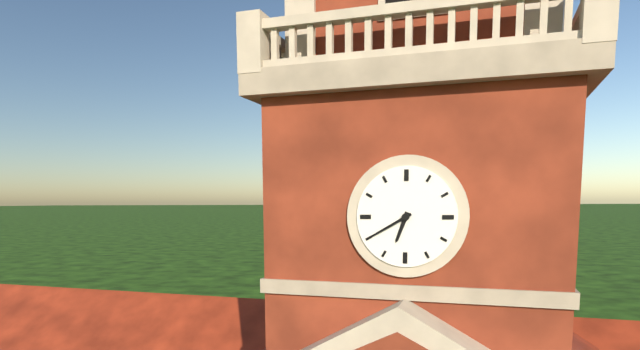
6:40
